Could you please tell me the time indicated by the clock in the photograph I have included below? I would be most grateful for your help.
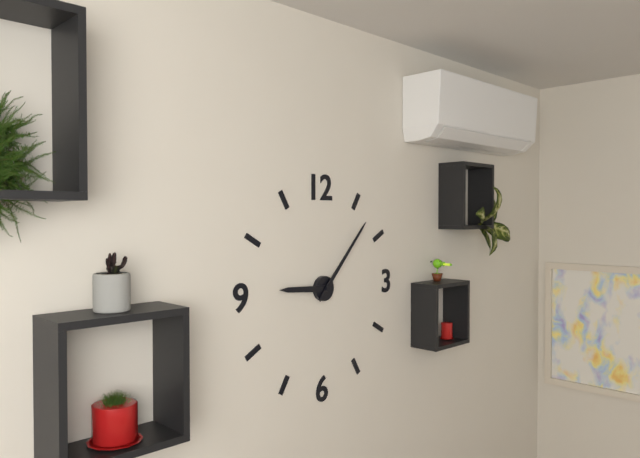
9:07
